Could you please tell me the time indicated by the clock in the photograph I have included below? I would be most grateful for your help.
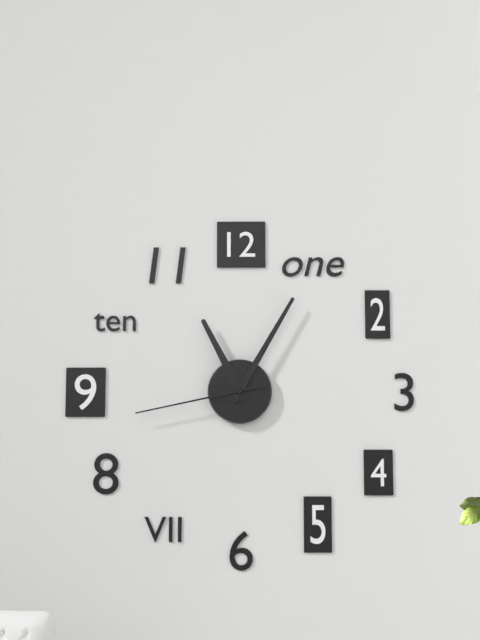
11:05:43
